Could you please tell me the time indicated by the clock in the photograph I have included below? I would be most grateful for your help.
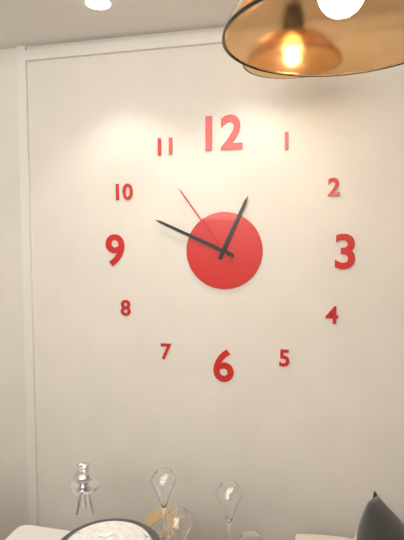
12:49:54
